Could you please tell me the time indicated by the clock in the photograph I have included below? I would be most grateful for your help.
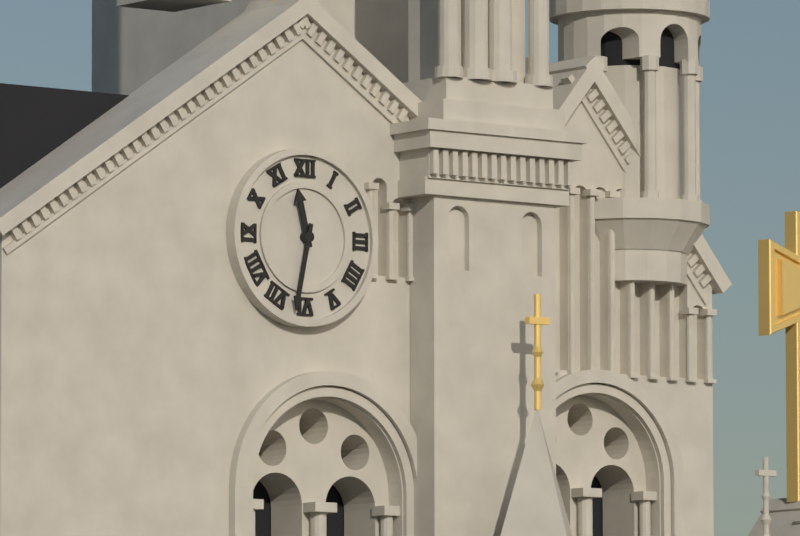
11:32
